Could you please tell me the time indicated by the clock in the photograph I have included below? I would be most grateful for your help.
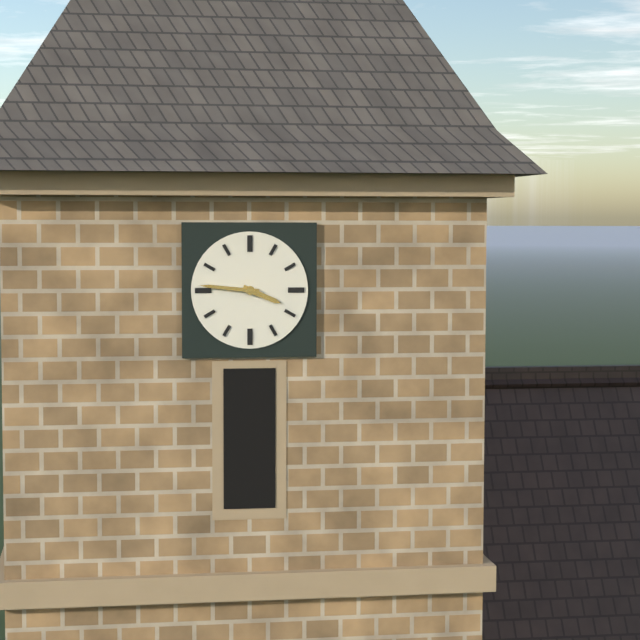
3:46
